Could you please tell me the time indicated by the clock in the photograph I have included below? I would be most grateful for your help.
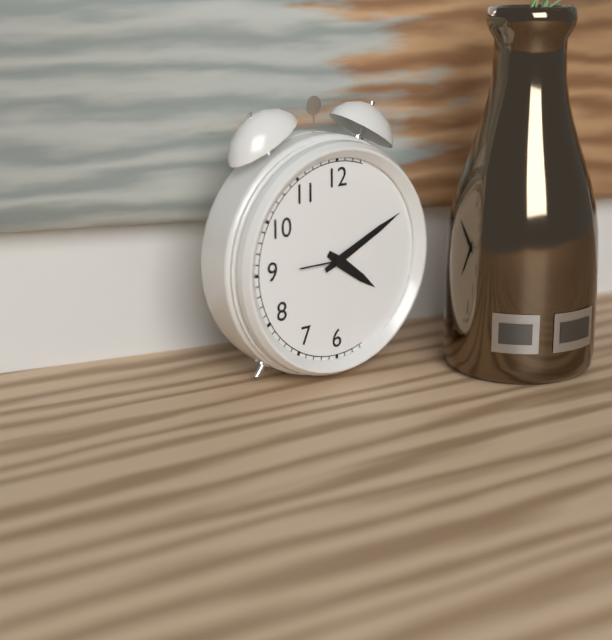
4:11
